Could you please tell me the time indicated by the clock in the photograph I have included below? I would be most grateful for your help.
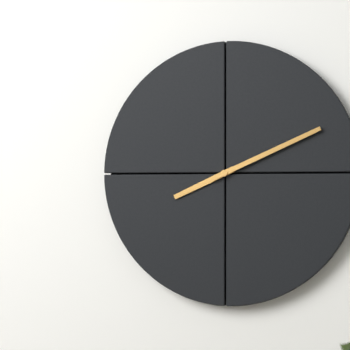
8:11
